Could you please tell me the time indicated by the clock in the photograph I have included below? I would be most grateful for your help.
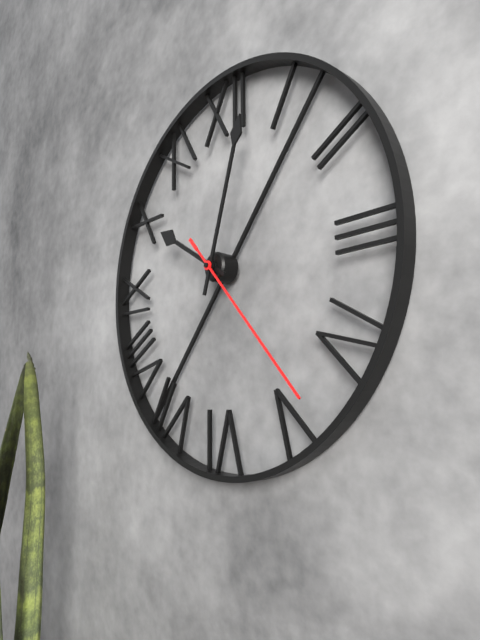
10:03:23
